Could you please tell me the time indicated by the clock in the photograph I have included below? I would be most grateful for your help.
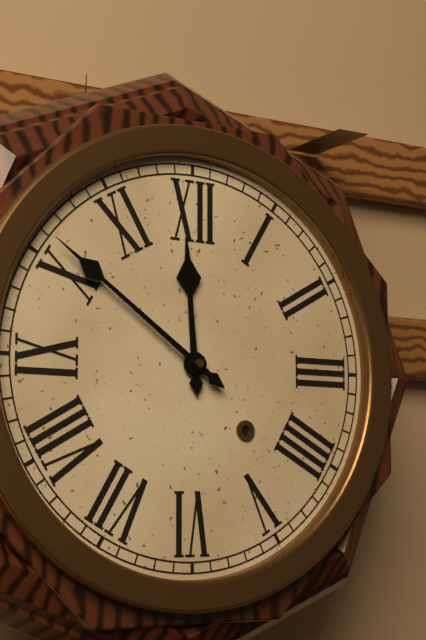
11:51
